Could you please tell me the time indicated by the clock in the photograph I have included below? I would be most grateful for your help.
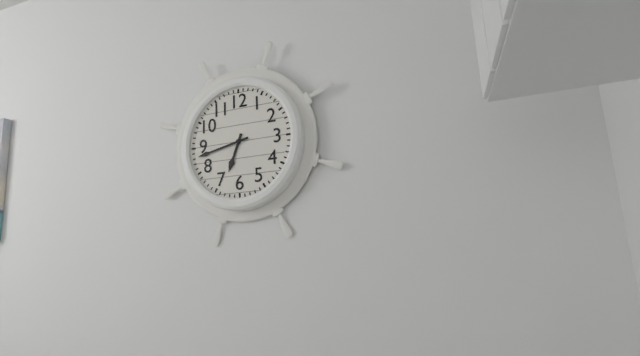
6:43
